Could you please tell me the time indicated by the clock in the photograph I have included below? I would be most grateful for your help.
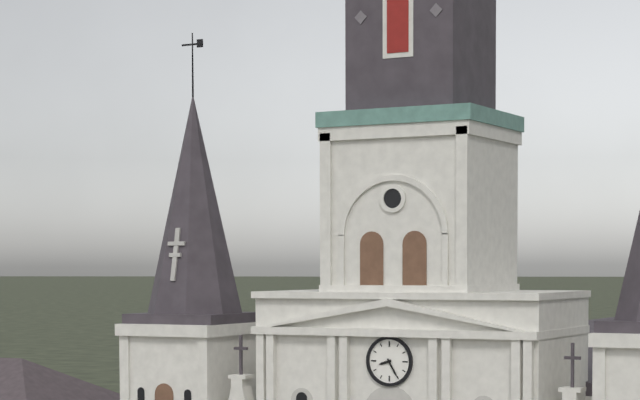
8:25
